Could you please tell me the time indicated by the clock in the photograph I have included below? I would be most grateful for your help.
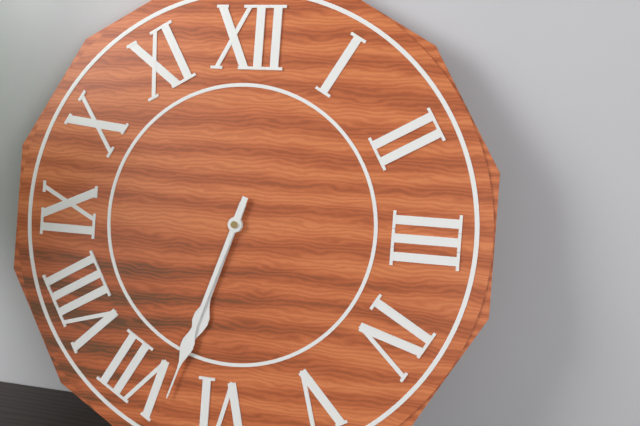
6:33
